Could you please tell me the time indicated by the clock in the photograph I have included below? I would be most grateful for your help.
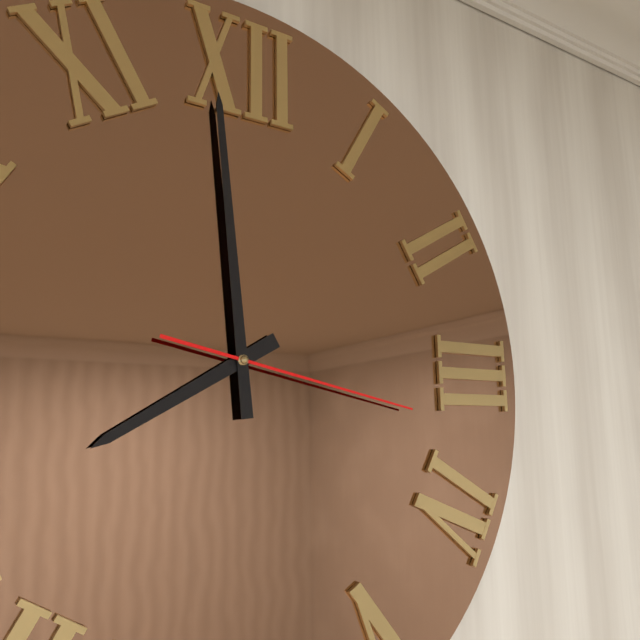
7:59:17
